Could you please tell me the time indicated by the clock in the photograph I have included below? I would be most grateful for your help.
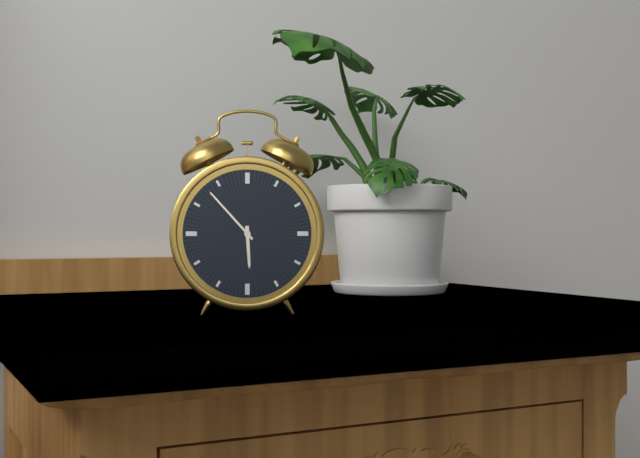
5:53
